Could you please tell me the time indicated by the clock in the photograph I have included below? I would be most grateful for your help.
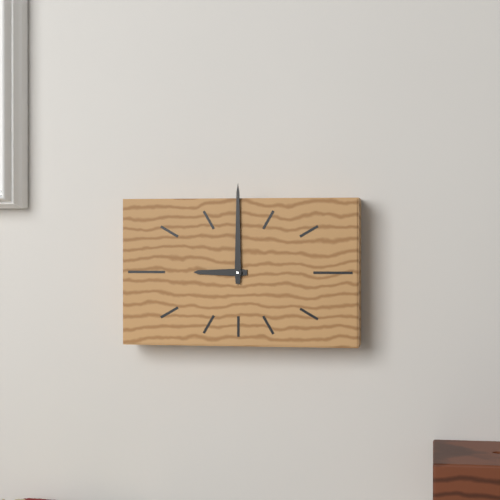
9:00
